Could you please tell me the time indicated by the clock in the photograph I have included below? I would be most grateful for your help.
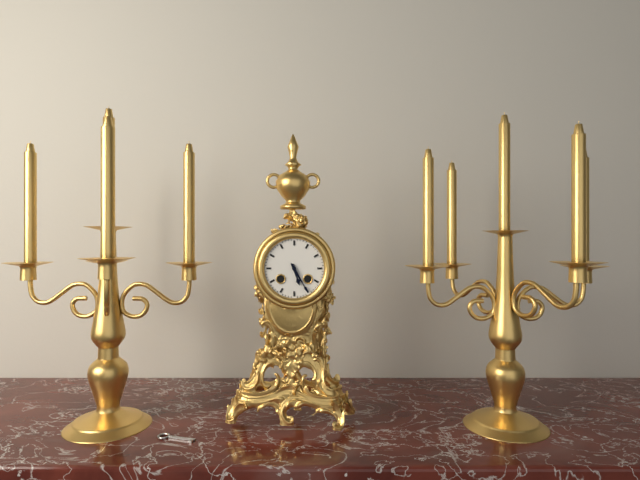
5:25
